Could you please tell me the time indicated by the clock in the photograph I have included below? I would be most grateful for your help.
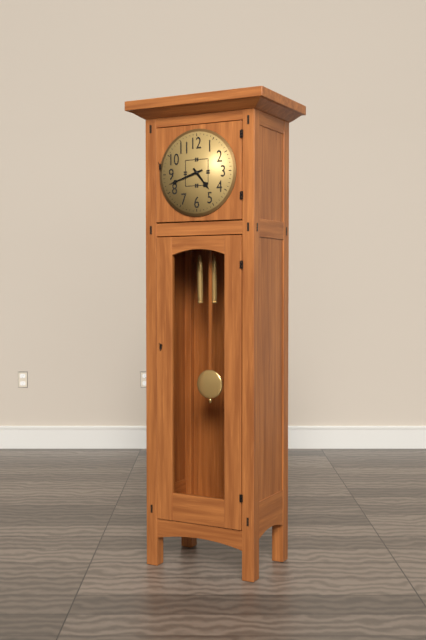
4:42
